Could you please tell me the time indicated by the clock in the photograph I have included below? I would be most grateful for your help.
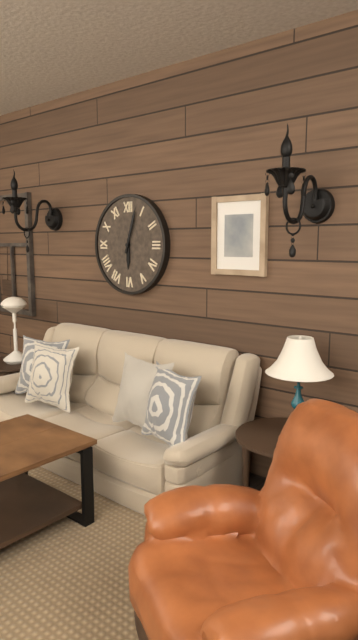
6:03
